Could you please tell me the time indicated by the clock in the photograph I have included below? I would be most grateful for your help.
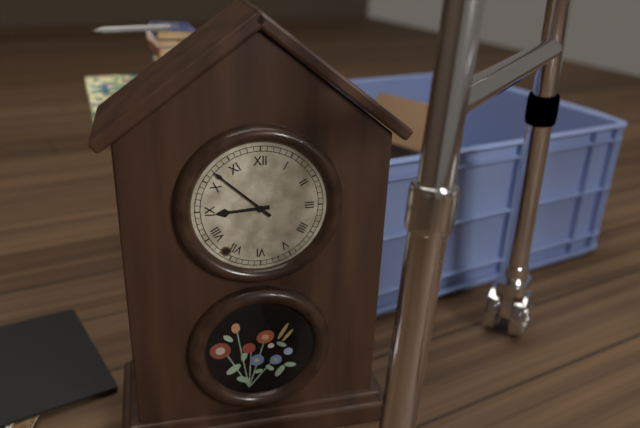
8:52
